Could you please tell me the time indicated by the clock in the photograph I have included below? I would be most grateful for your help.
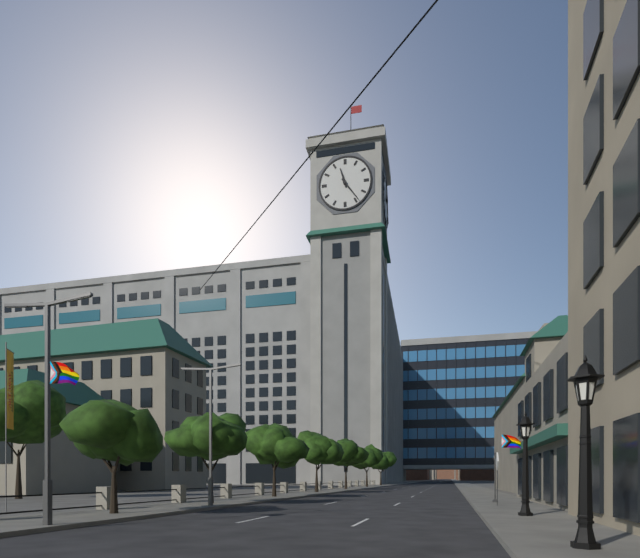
11:24
